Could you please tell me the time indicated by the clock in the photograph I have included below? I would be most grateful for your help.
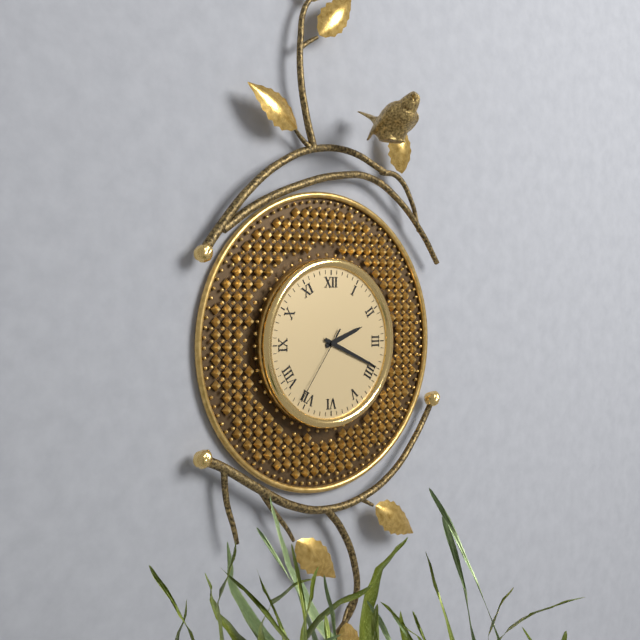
2:19:36
